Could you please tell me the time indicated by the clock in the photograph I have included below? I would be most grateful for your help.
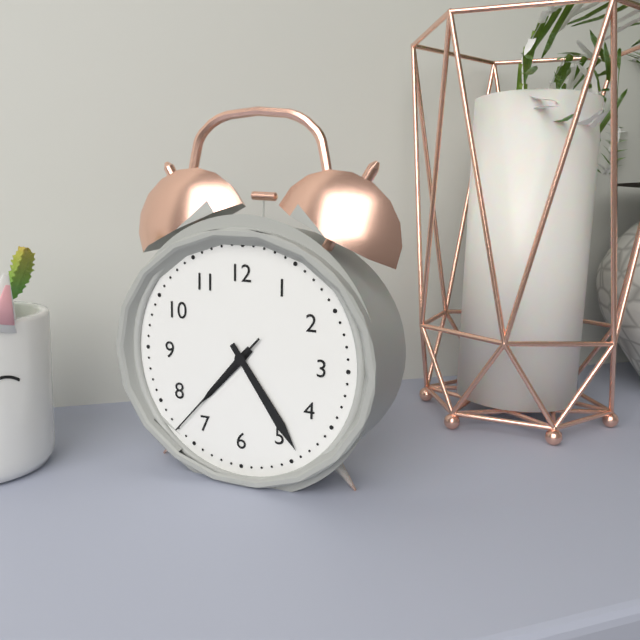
7:24:37
